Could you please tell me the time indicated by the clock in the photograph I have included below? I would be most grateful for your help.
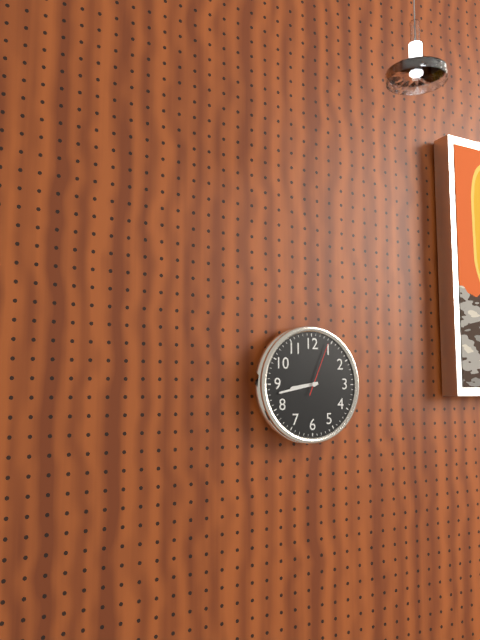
8:43:04
